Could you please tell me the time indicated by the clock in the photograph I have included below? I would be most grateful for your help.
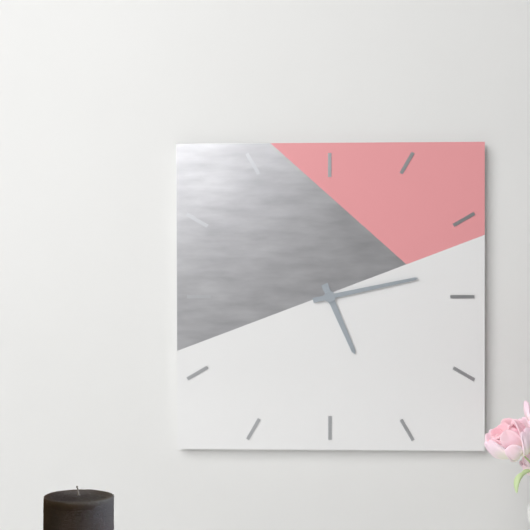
5:13
